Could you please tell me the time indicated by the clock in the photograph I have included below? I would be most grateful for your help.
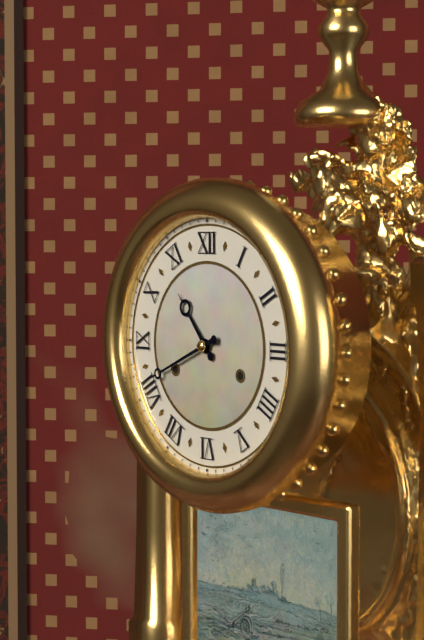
10:41
